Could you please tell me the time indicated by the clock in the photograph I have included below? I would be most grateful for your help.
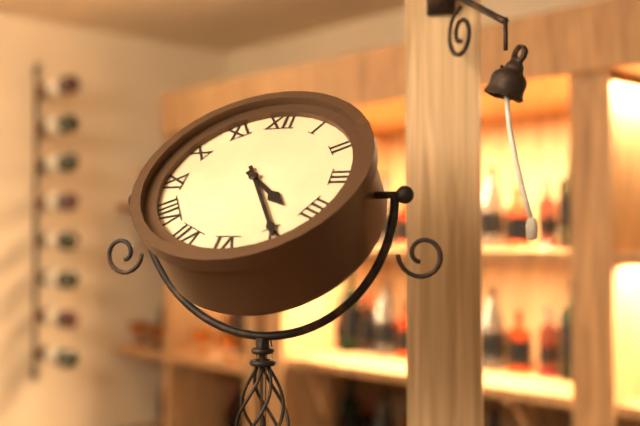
4:25
